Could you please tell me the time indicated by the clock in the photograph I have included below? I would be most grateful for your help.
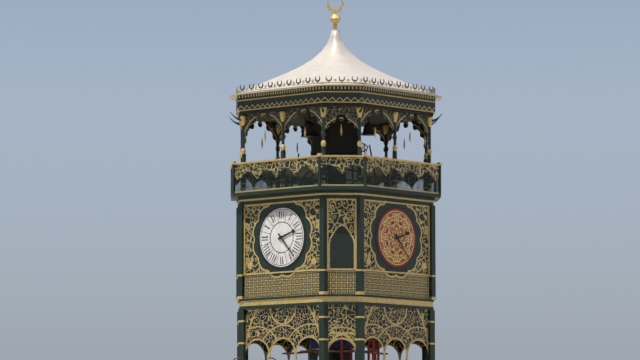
2:23
